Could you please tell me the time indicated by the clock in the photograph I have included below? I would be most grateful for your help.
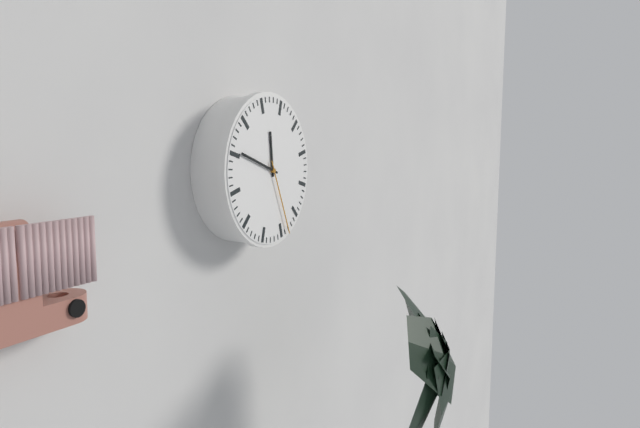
11:48:26
